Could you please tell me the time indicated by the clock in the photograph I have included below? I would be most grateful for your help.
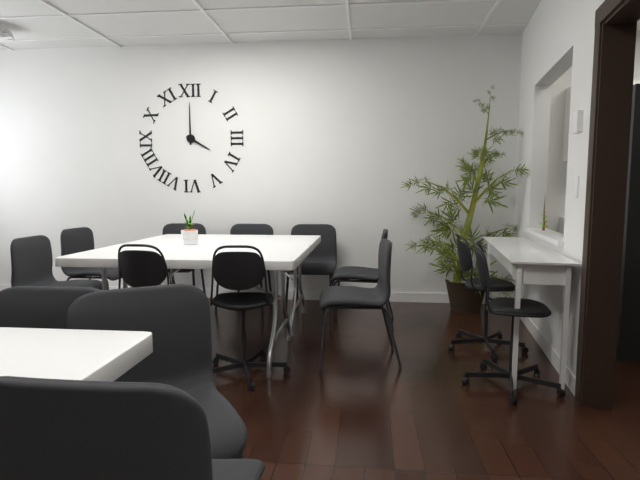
4:00
